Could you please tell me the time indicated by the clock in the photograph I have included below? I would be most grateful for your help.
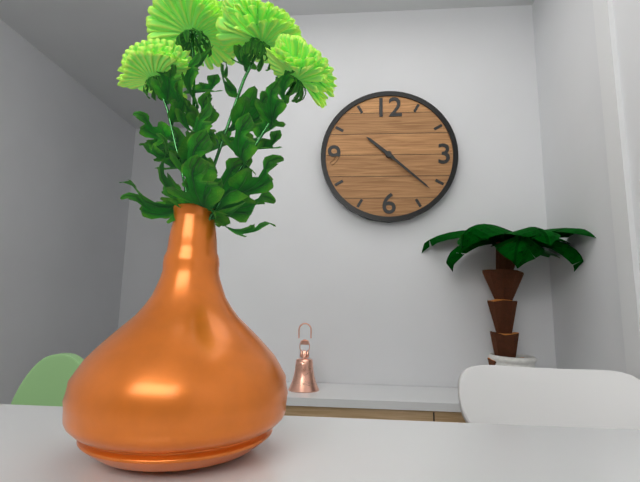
10:22
